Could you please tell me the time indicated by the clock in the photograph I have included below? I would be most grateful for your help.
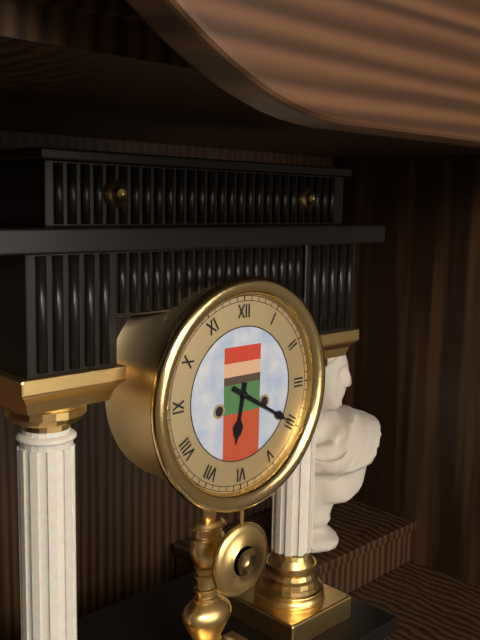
6:20
